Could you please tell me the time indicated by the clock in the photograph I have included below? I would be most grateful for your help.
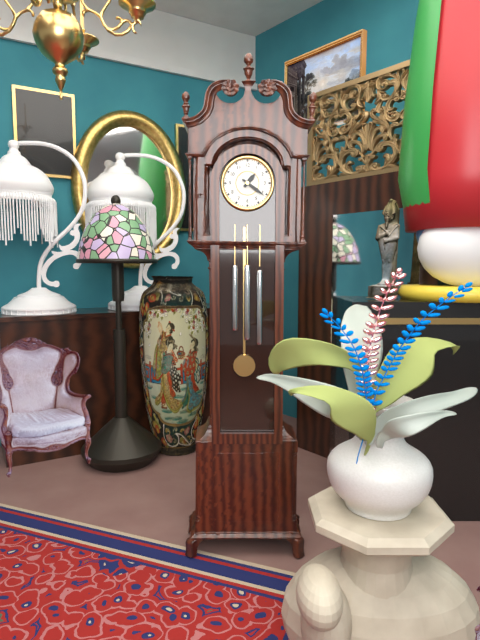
1:21
